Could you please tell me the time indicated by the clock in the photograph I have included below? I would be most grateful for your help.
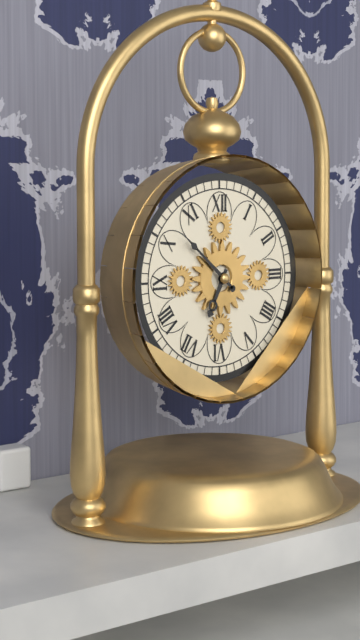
6:52
